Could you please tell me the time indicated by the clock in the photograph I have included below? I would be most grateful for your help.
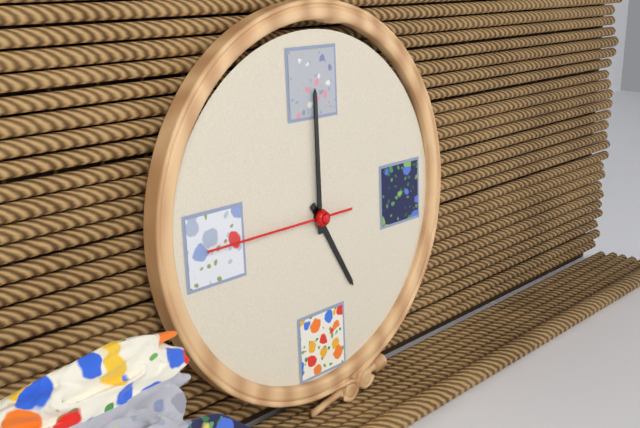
5:00:45
